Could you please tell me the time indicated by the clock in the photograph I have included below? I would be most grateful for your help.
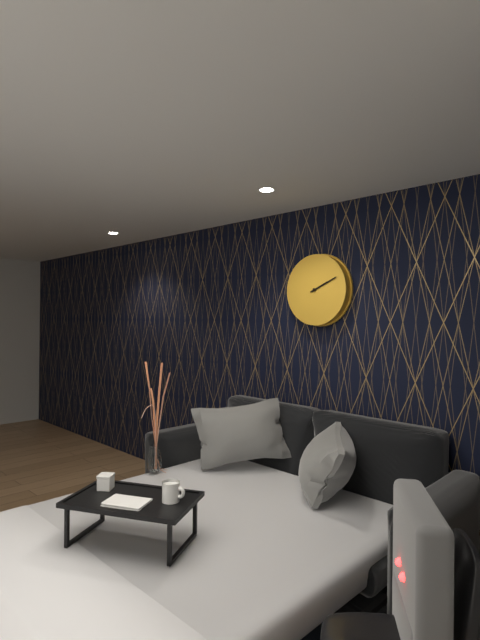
2:11
